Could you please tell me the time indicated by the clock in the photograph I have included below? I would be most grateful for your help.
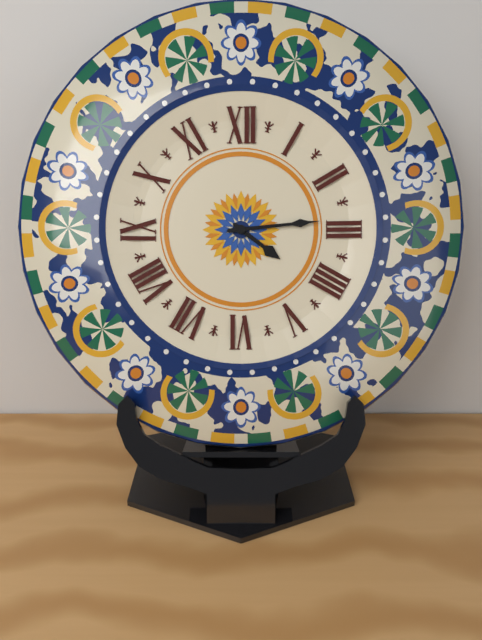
4:14
